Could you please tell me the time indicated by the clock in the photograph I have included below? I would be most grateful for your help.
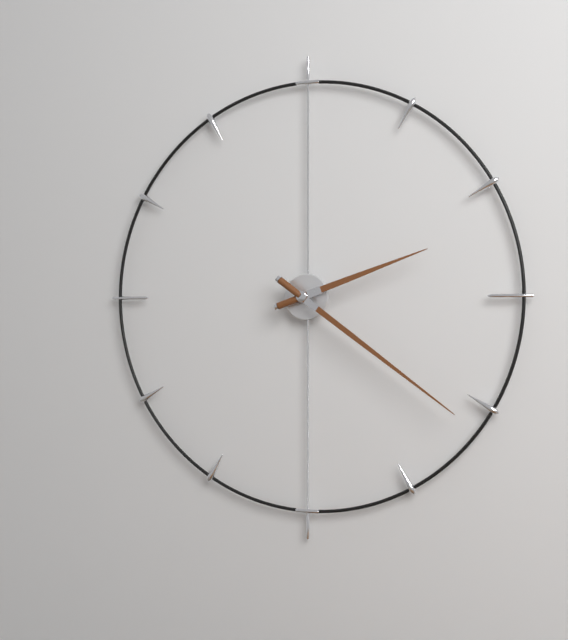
2:21
